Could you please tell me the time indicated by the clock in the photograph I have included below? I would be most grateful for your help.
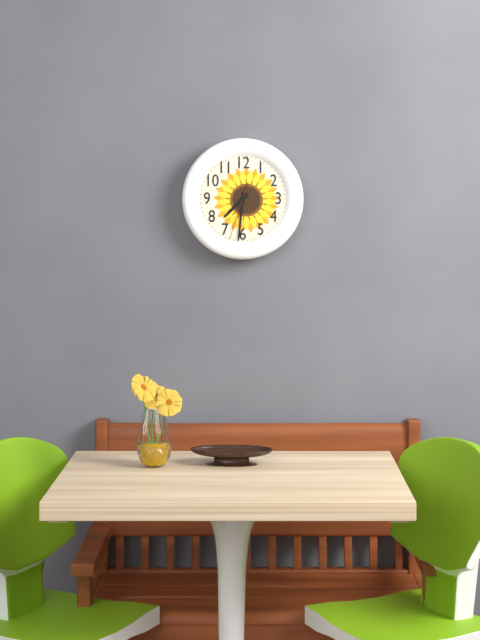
7:31:33
